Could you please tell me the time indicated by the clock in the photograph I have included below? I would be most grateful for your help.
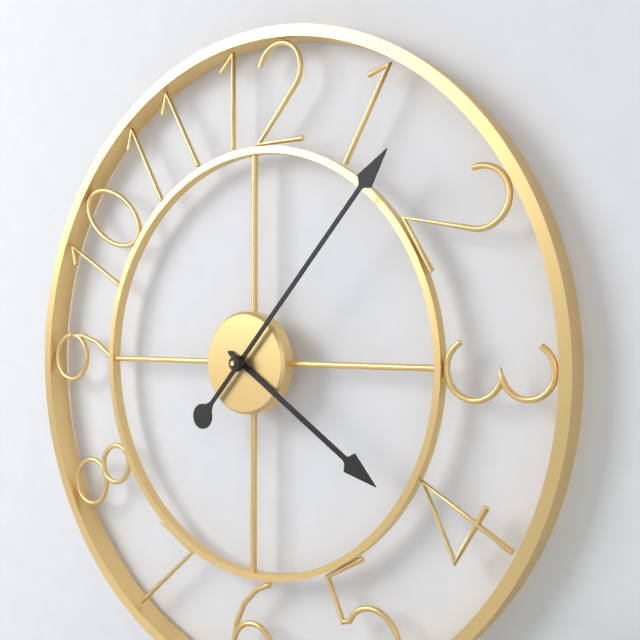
4:07
